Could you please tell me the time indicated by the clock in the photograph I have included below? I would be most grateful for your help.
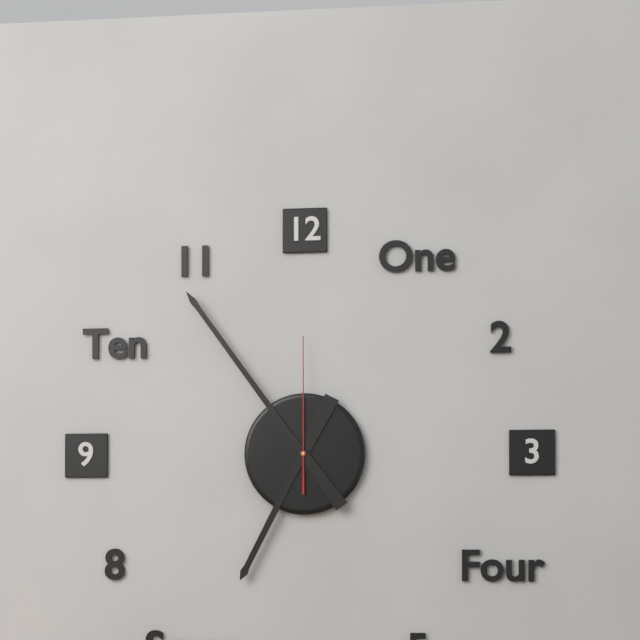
6:54:00
